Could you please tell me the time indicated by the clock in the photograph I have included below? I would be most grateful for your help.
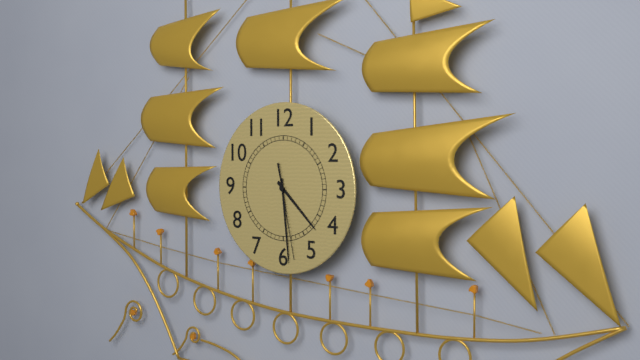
4:29:28
